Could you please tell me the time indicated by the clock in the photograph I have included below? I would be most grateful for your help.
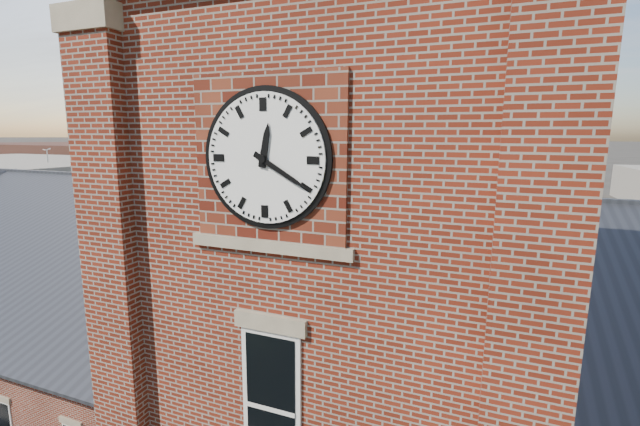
12:20
